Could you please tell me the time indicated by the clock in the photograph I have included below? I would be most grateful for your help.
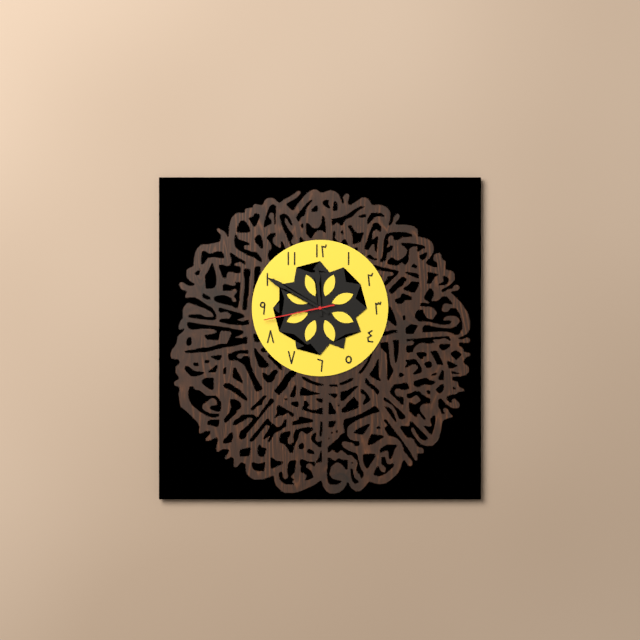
11:50:43
